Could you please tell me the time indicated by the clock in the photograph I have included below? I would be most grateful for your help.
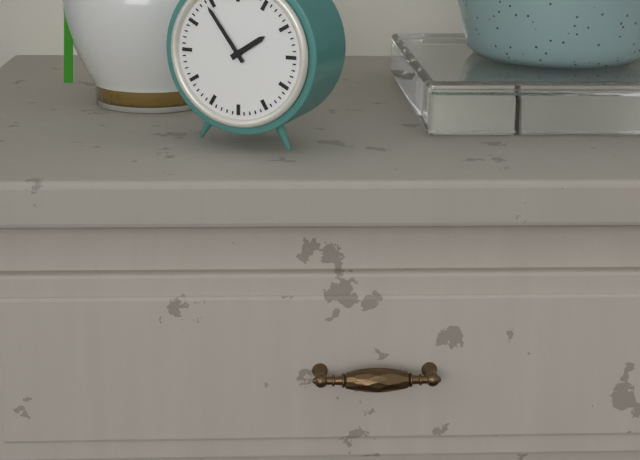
1:54
